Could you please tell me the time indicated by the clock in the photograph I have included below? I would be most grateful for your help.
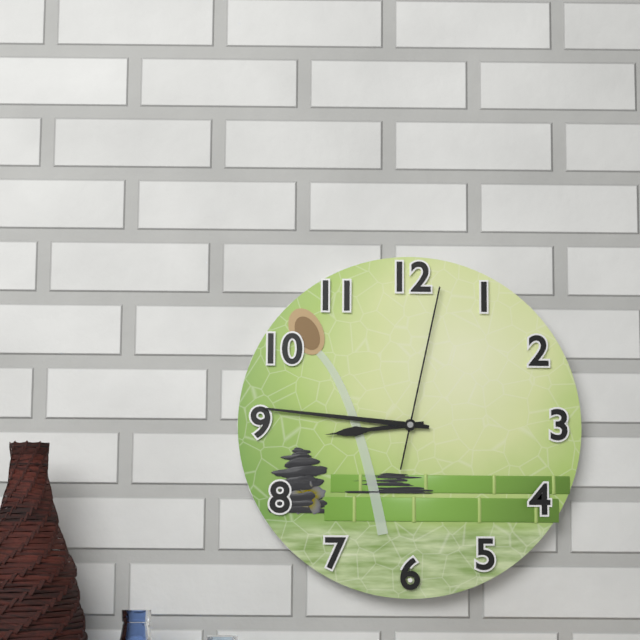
8:46:02
